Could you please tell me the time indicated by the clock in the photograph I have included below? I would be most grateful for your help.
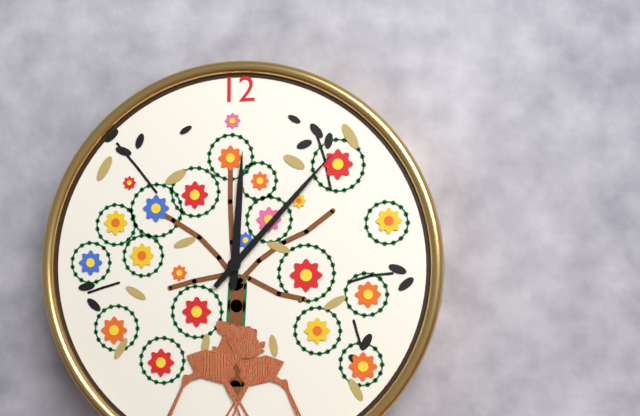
12:07
